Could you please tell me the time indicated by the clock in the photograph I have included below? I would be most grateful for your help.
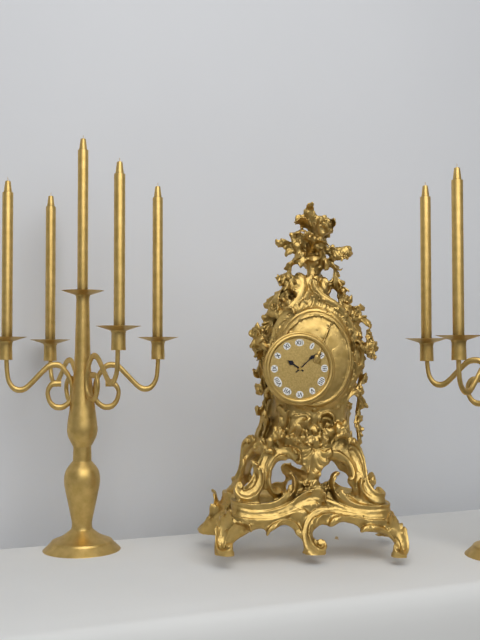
10:08
